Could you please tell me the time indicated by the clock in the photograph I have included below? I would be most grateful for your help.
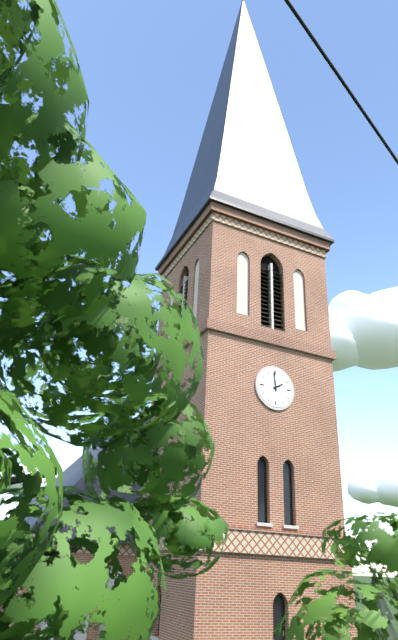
1:59
